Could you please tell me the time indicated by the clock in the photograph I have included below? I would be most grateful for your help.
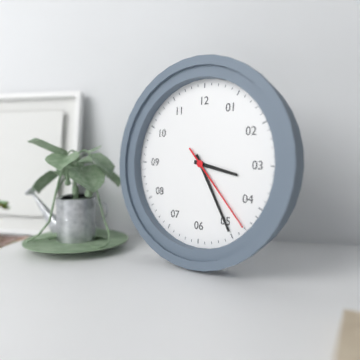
3:25:23
